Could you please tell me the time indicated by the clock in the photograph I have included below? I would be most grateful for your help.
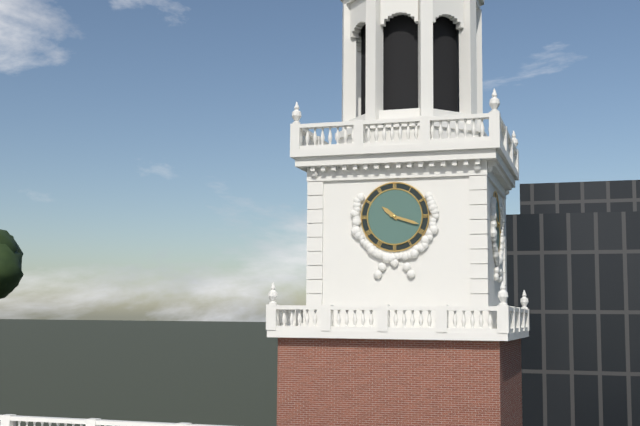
10:18
